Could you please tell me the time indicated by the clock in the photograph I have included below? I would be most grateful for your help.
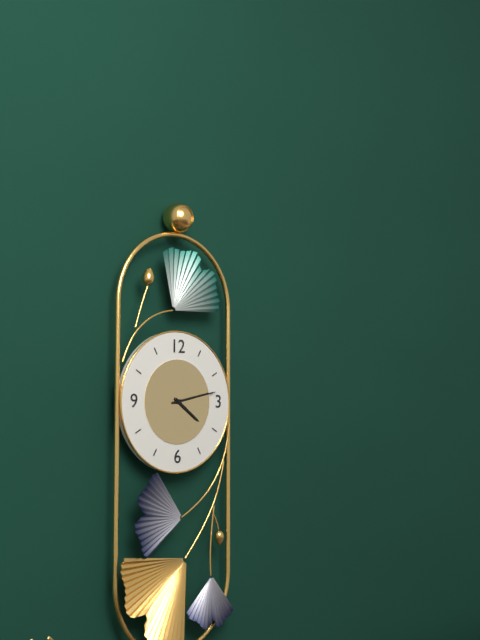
4:13
